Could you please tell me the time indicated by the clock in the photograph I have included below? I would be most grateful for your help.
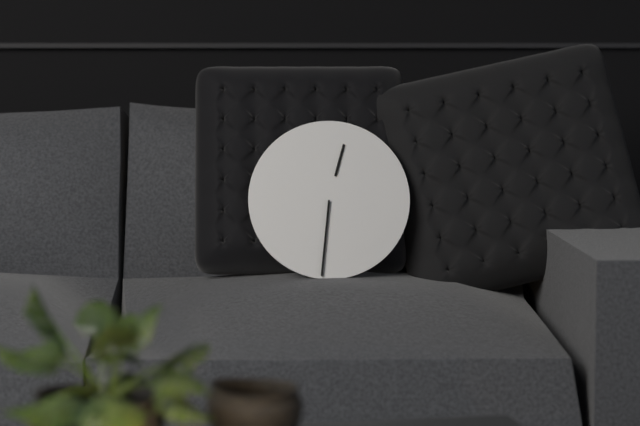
12:31
